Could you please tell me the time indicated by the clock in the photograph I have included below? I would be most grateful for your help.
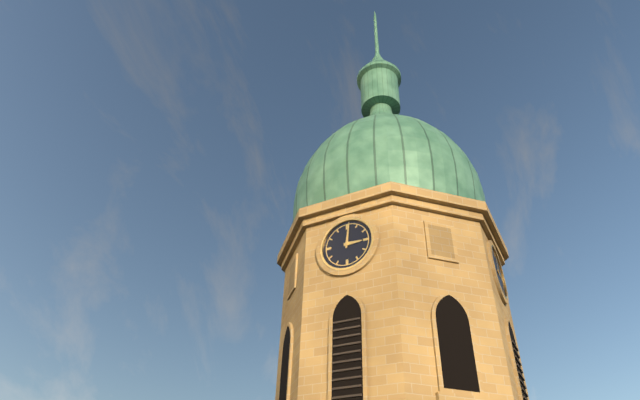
3:01
